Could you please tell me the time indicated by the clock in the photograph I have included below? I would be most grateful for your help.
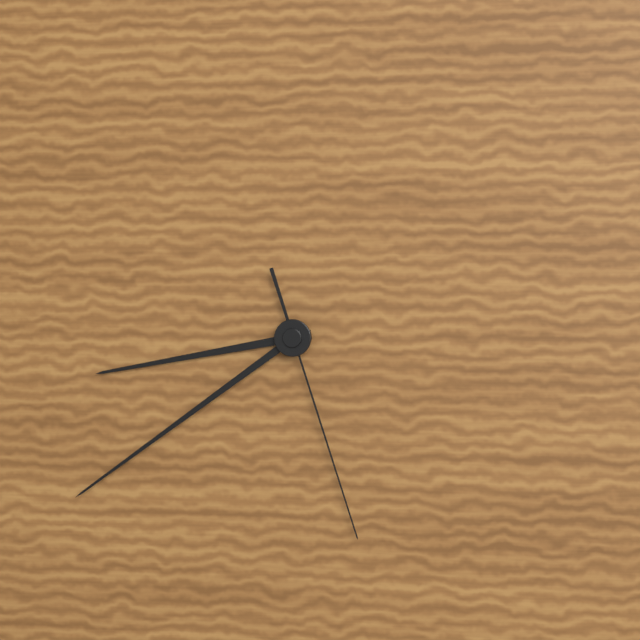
8:39:27
